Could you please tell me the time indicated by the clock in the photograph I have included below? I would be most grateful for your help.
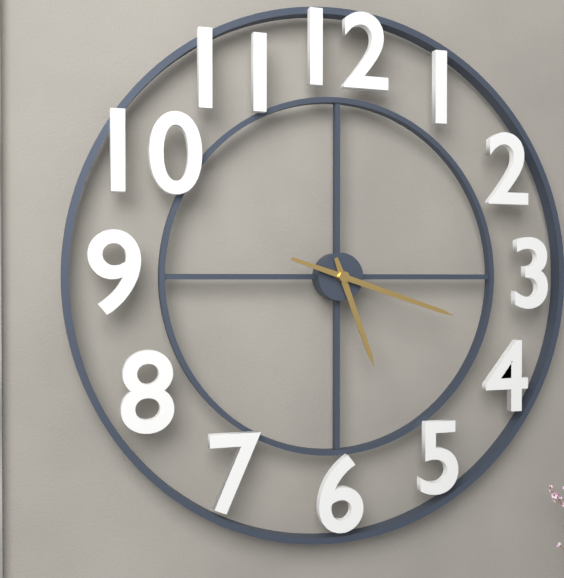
5:18
